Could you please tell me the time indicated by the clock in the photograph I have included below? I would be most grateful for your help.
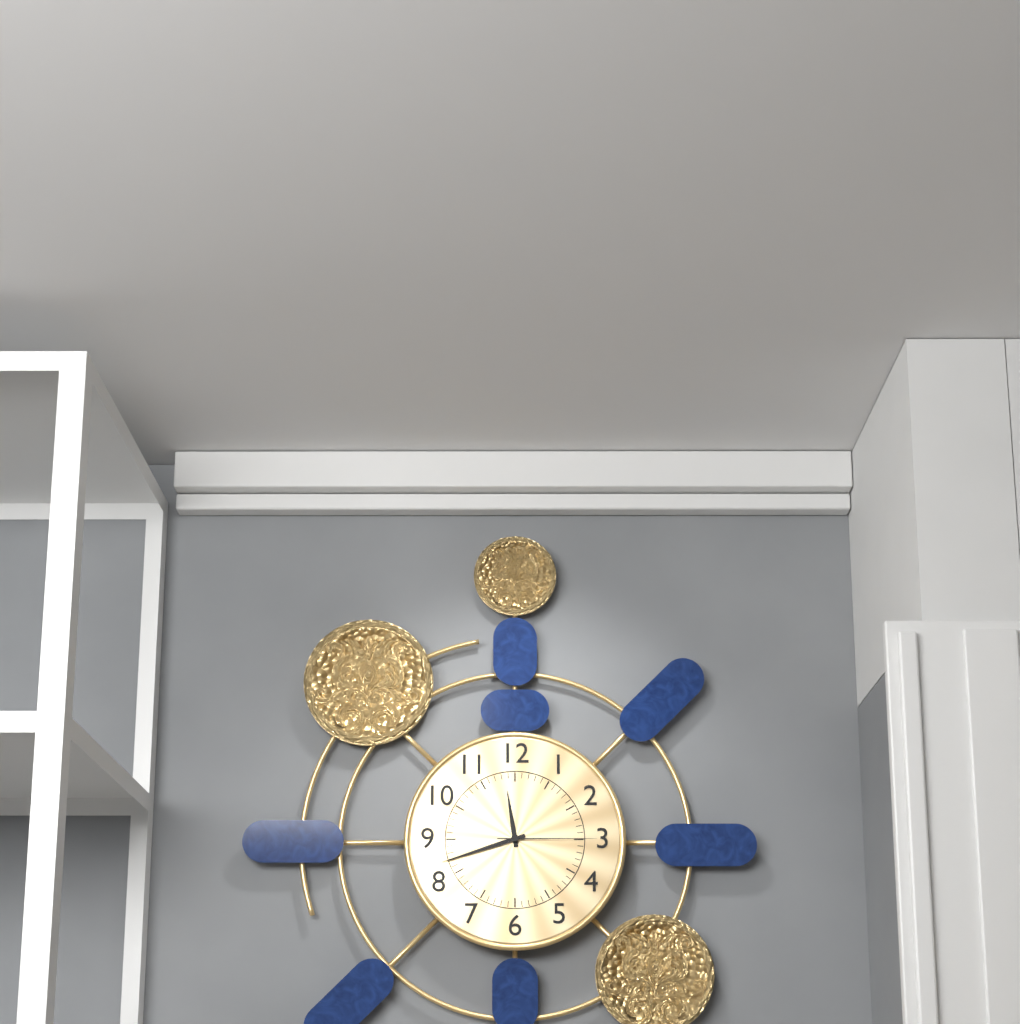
11:42:15
